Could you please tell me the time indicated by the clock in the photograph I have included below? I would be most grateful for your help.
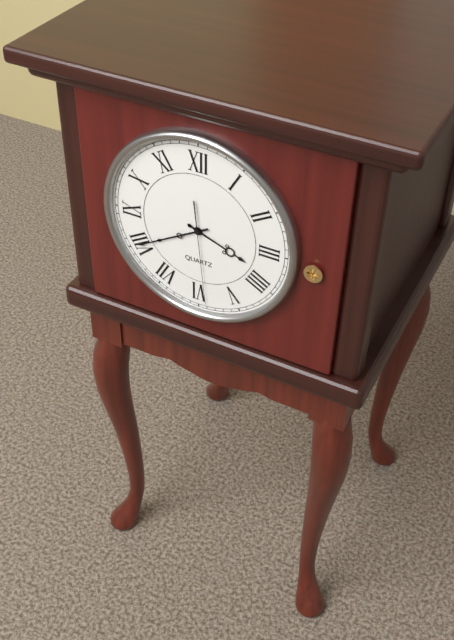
3:40:29
